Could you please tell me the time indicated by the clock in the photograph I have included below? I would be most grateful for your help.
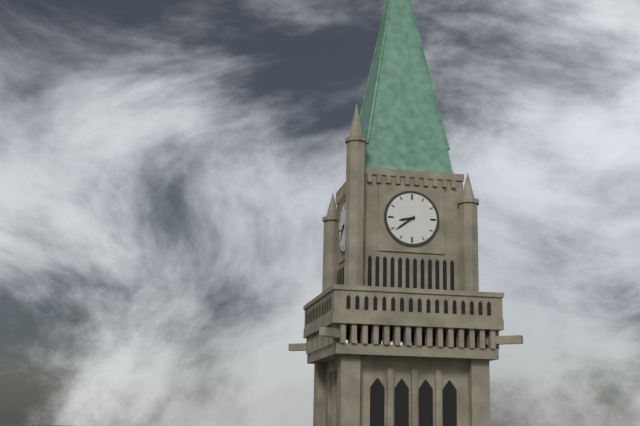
8:39
